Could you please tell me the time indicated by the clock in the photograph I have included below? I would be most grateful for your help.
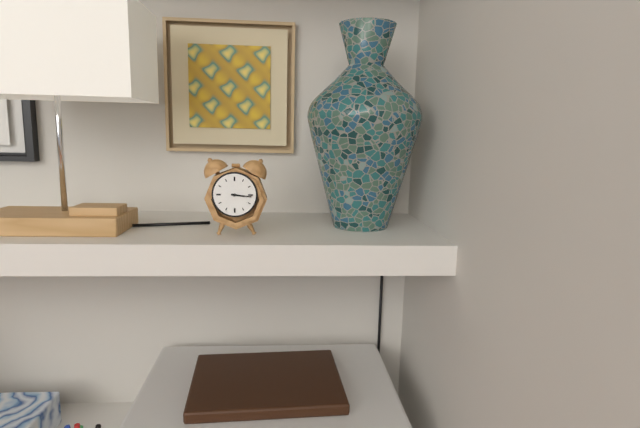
3:16
